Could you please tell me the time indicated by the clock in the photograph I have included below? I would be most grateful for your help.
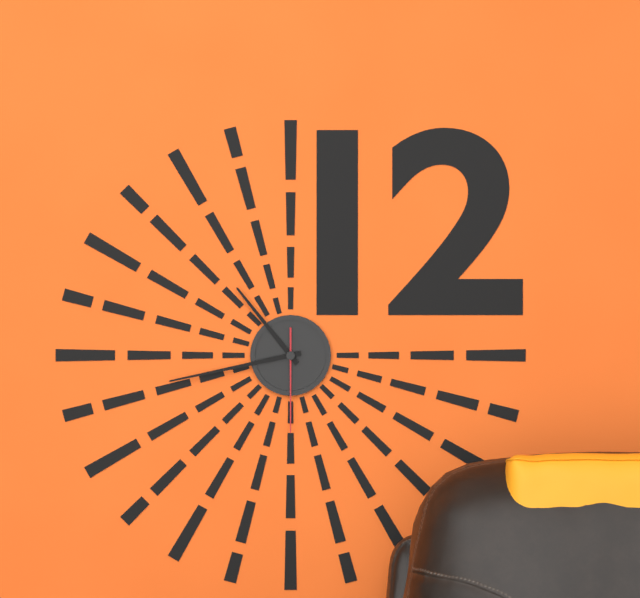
10:43:30
